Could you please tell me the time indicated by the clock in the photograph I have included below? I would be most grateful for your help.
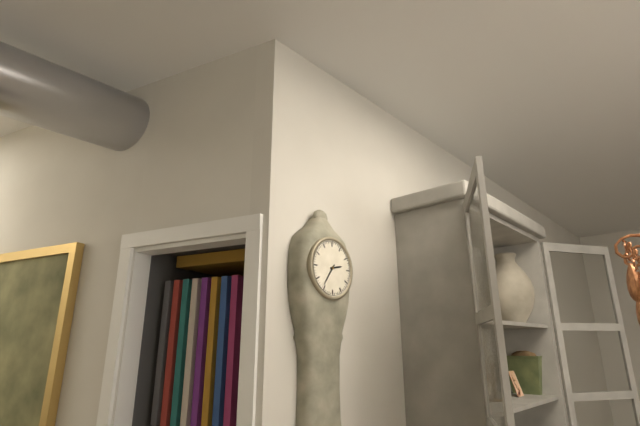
2:36
